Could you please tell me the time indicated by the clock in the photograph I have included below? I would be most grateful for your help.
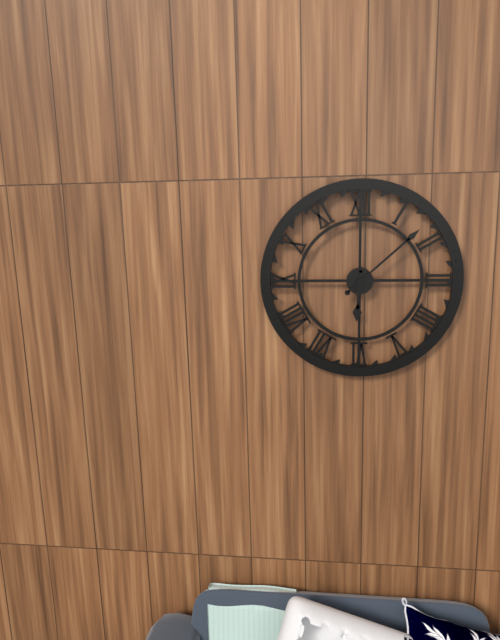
6:08
